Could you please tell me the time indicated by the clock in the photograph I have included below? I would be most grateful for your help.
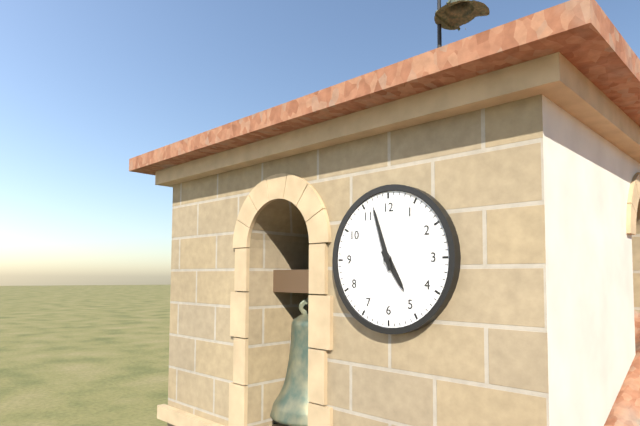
4:57
